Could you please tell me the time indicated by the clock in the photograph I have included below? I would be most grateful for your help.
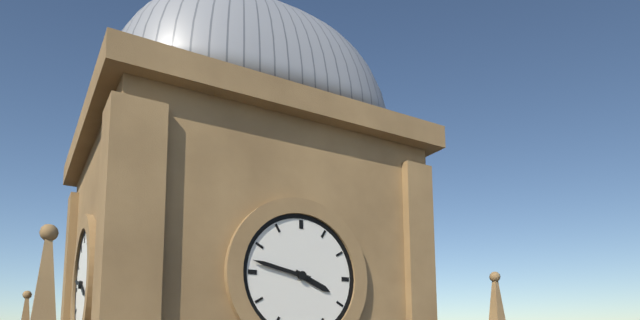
3:47
